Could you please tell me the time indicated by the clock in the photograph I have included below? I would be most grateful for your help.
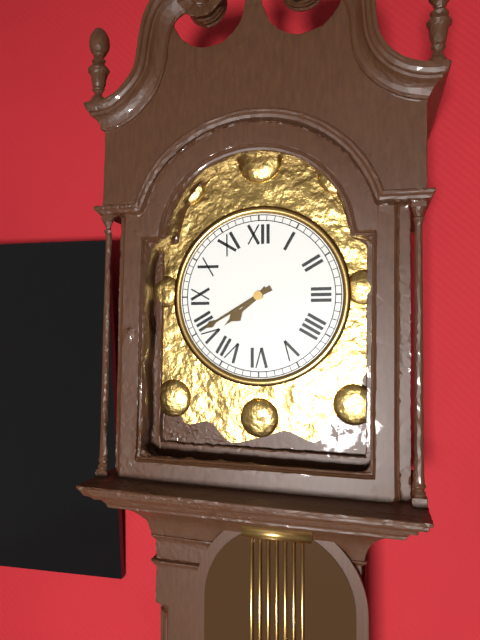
7:40
